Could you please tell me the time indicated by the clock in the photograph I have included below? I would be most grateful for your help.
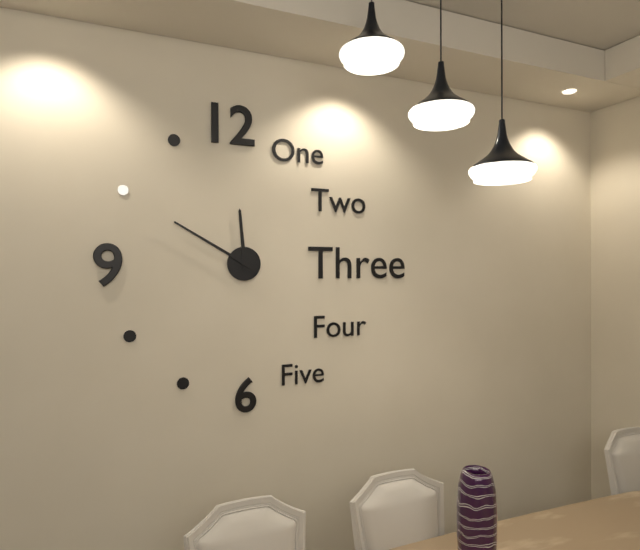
11:50
